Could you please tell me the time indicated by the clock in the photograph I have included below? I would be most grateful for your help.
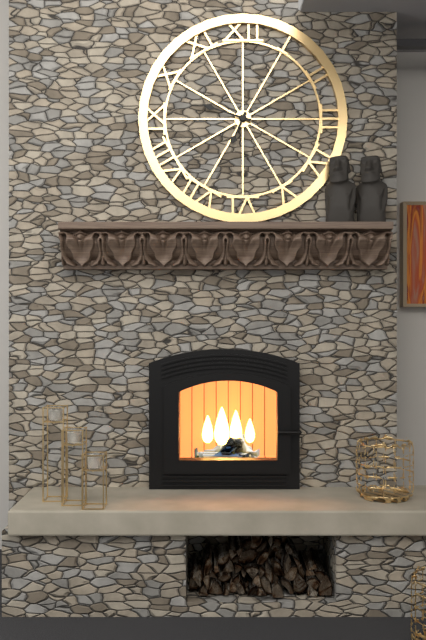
6:48
